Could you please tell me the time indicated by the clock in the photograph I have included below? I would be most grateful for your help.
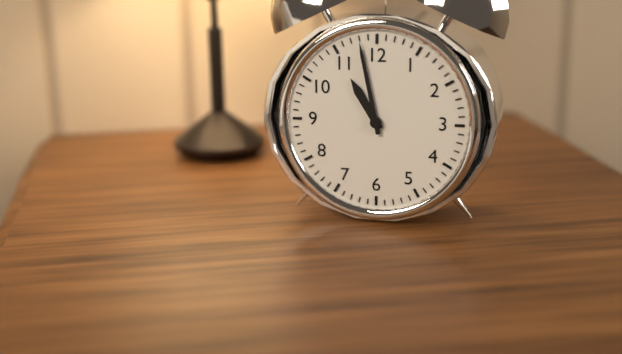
10:58
